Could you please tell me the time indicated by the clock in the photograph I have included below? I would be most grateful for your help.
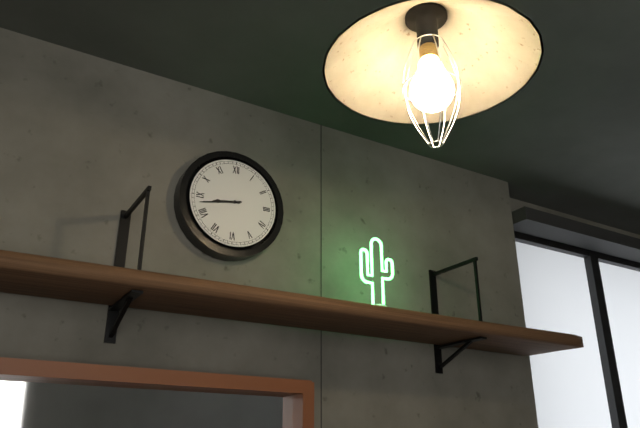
8:43
